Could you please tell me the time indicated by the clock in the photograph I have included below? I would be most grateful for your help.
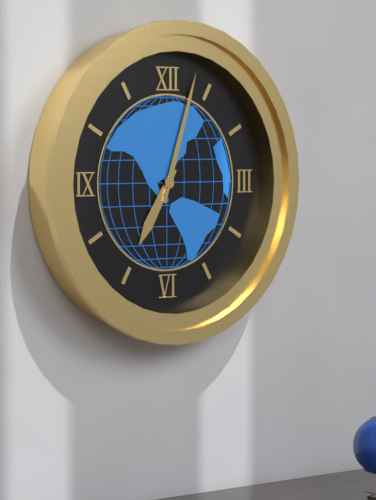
7:03
